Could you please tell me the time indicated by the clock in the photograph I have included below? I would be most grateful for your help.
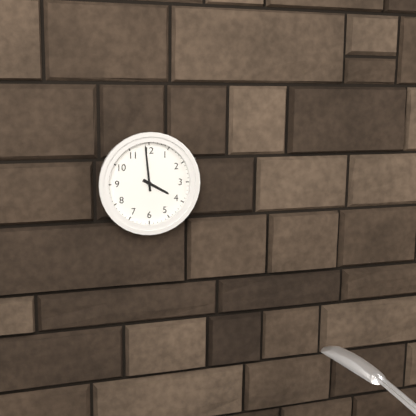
3:59
